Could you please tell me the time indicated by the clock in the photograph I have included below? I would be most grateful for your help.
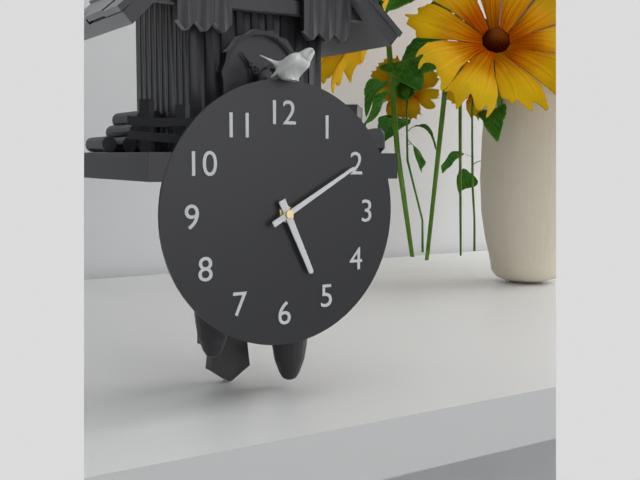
5:10
